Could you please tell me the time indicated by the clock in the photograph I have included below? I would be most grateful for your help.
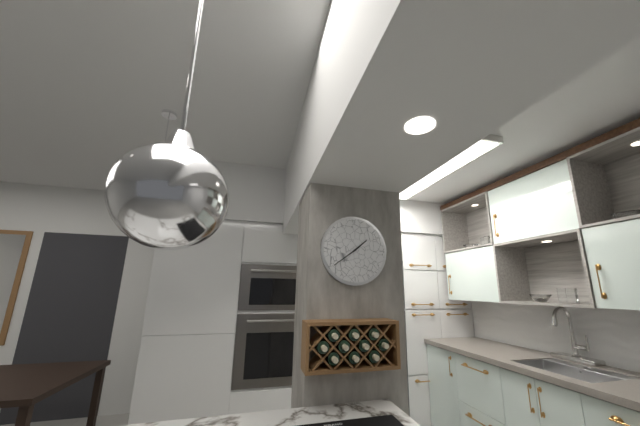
1:39
